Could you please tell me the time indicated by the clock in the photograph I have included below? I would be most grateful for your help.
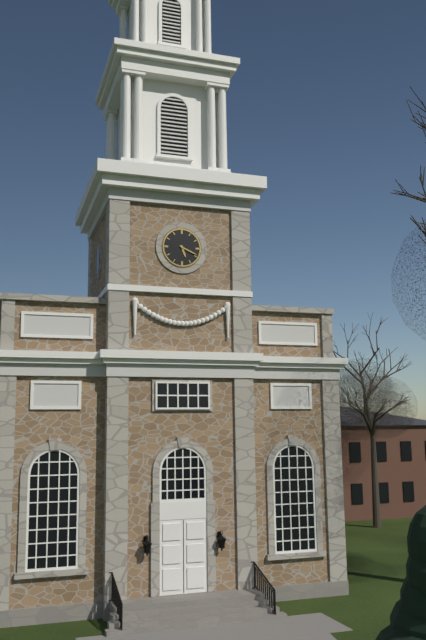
5:19
